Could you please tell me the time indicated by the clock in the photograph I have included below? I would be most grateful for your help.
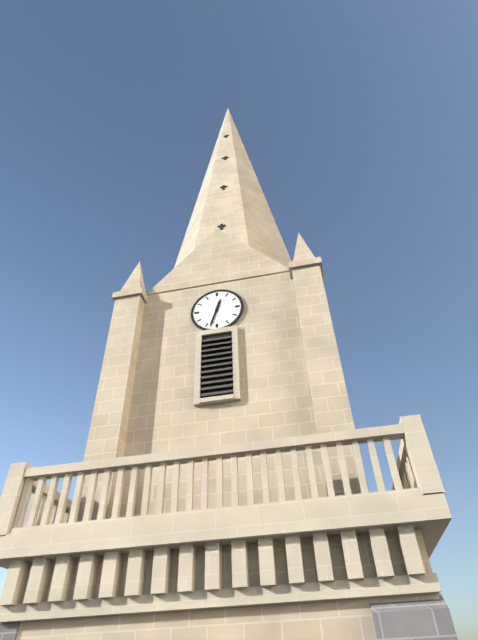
12:33
